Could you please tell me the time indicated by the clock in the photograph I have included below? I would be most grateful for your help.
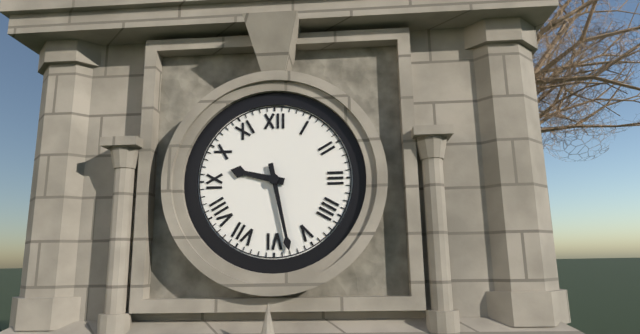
9:28
